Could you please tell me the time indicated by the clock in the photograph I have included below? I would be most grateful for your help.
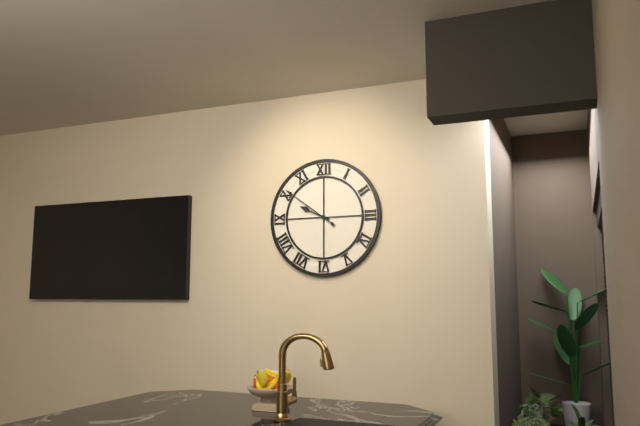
9:51
